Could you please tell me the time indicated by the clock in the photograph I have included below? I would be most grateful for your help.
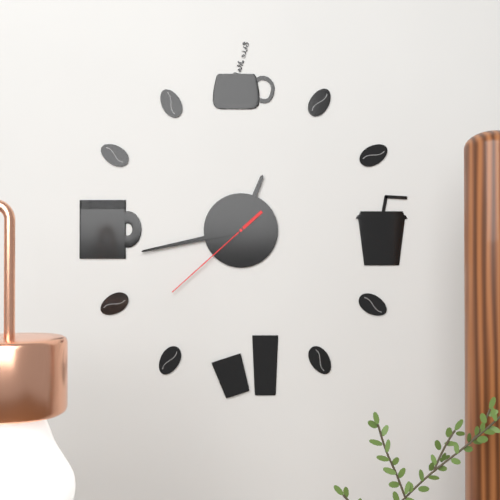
12:43:38
